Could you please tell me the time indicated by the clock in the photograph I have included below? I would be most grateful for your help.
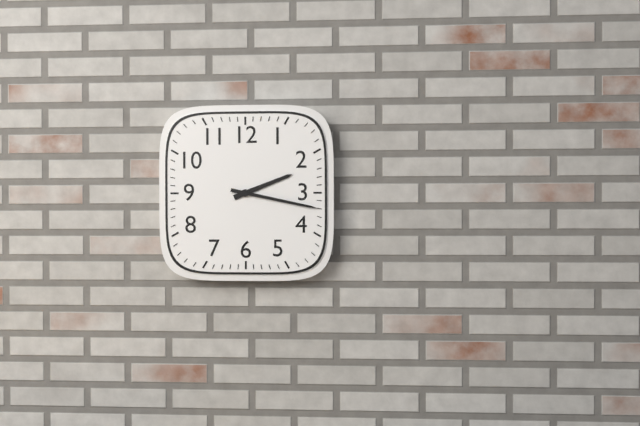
2:17
